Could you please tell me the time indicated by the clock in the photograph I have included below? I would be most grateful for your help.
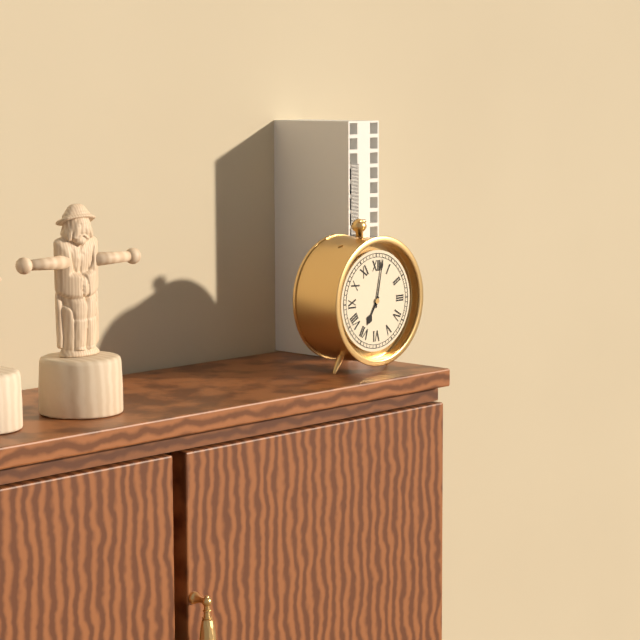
7:02
